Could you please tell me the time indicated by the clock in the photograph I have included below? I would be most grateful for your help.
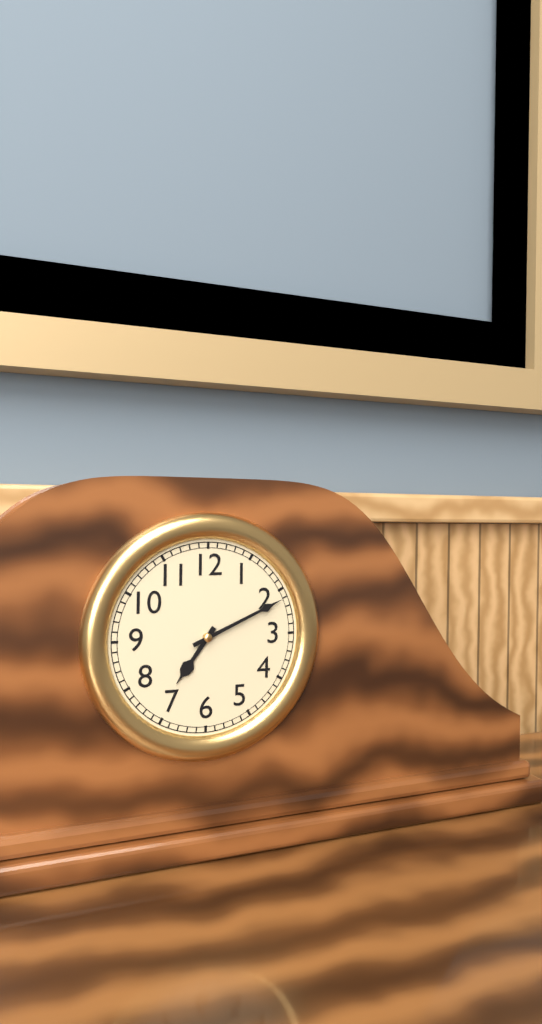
7:11
